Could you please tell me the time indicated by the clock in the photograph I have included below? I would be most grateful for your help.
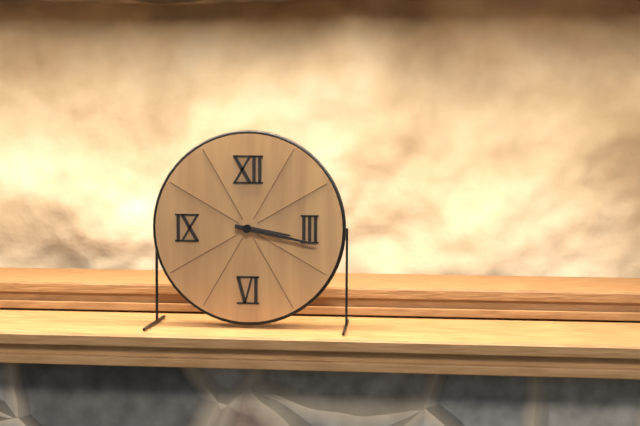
3:17
